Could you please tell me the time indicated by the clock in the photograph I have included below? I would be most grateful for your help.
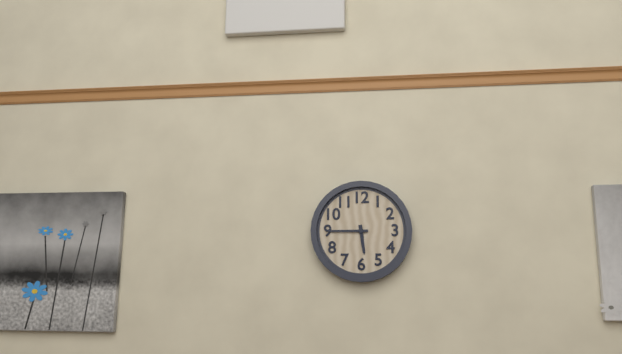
5:45
